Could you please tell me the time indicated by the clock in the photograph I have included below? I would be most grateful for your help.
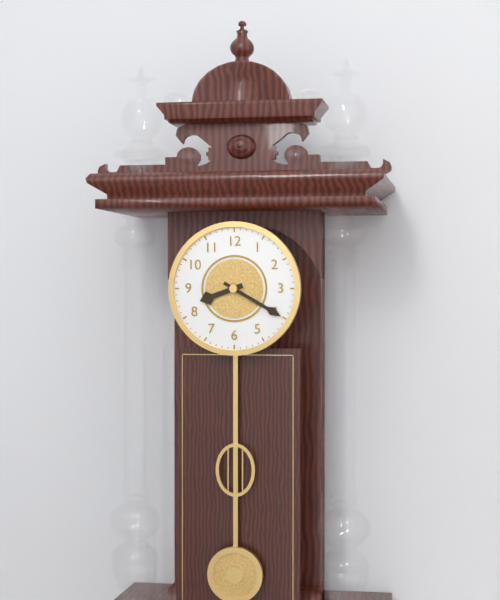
8:20
